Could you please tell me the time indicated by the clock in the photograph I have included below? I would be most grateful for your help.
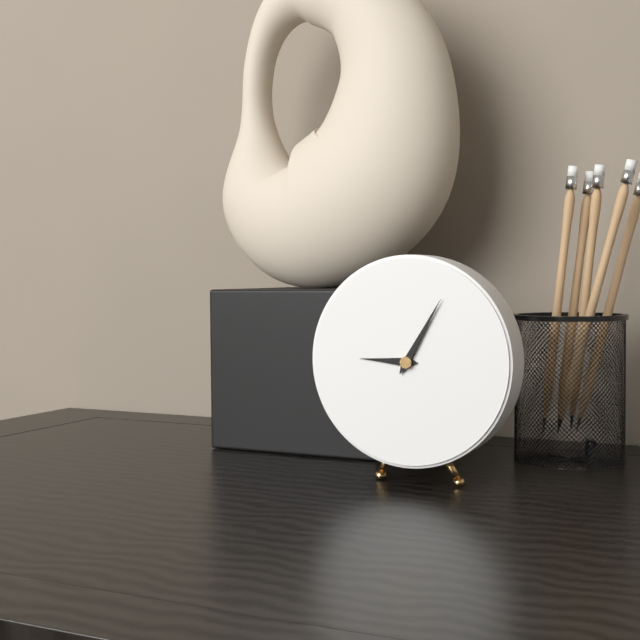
9:05
